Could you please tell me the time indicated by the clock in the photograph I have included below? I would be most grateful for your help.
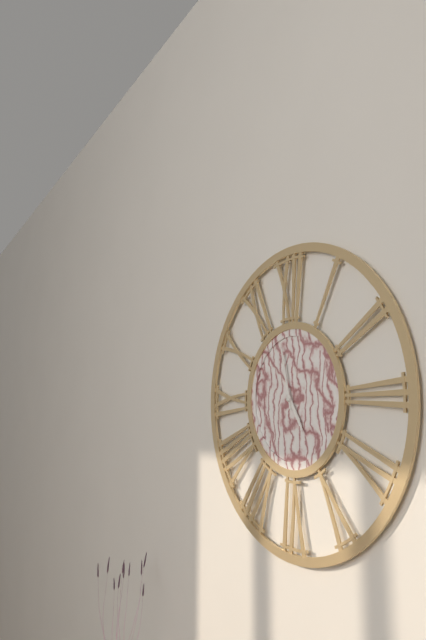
4:58
